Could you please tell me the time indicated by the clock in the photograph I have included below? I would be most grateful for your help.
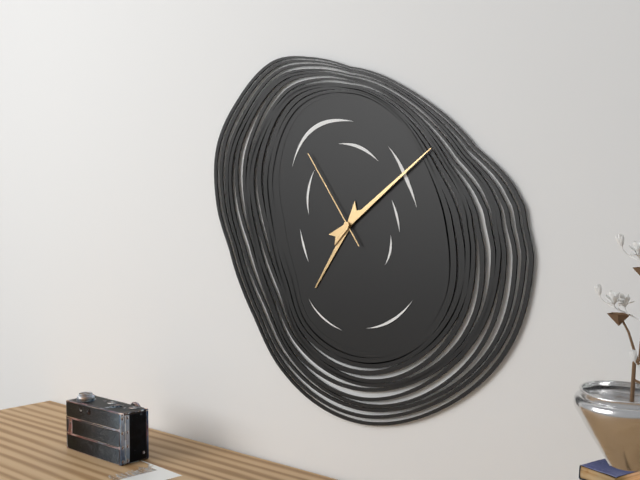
7:09:54
